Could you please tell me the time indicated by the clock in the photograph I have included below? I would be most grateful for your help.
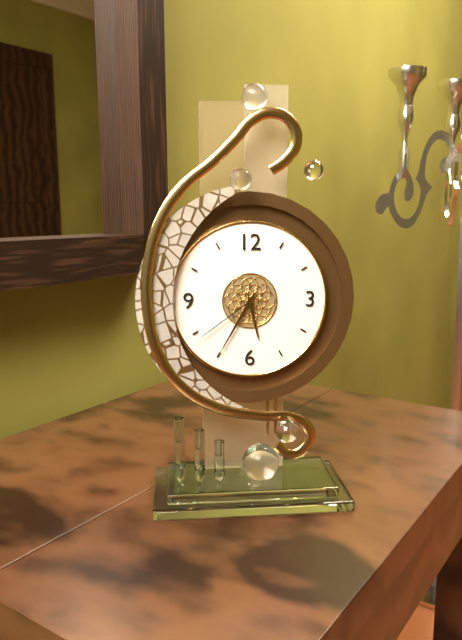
5:35:39
